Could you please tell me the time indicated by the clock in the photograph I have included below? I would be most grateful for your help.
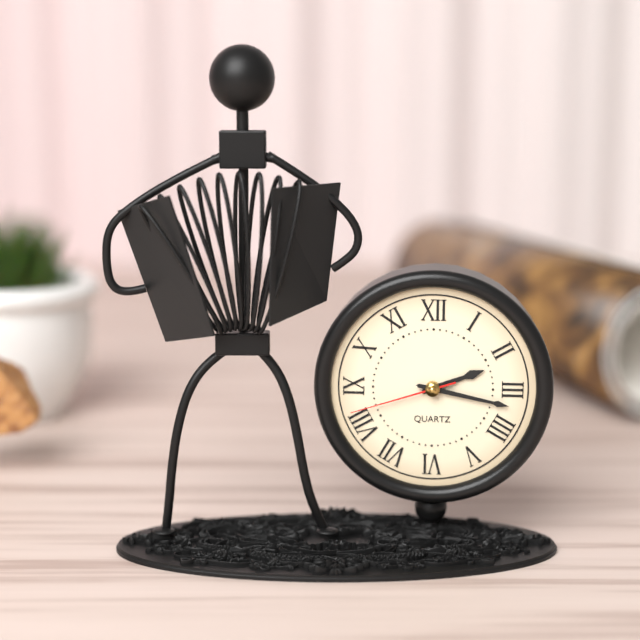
2:17:42
